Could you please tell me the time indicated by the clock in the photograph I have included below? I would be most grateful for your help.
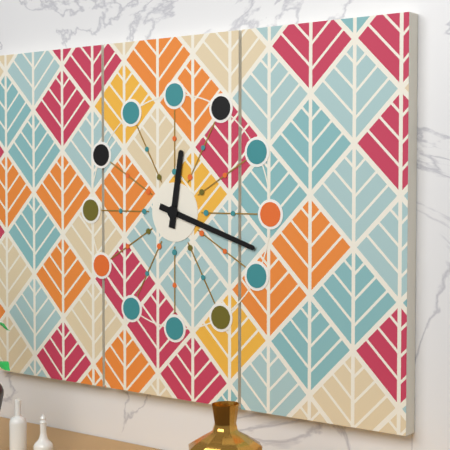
12:18
